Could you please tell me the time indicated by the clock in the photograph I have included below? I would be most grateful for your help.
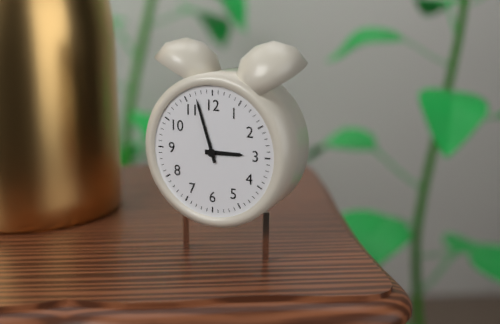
2:57
